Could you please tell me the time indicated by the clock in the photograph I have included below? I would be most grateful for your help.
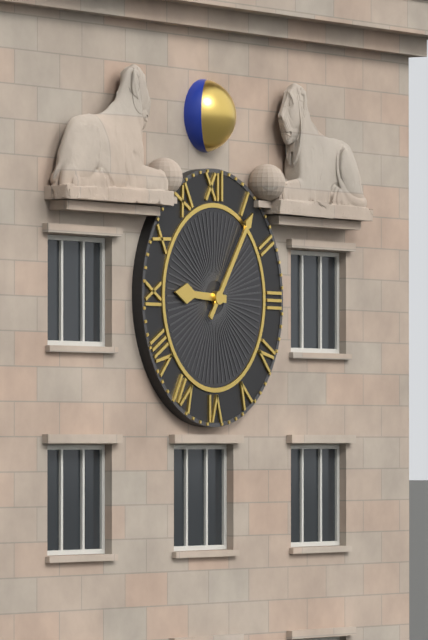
9:06
